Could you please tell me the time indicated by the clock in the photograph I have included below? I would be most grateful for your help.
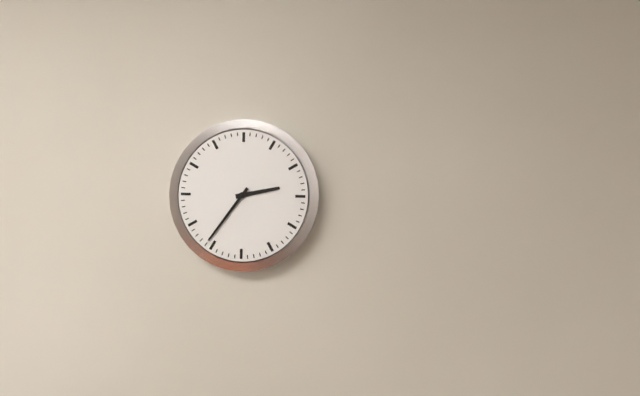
2:36
